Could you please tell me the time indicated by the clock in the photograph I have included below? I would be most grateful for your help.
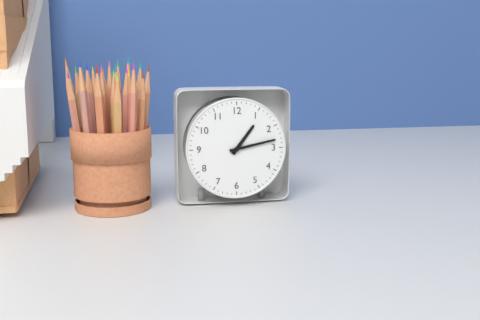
1:13
